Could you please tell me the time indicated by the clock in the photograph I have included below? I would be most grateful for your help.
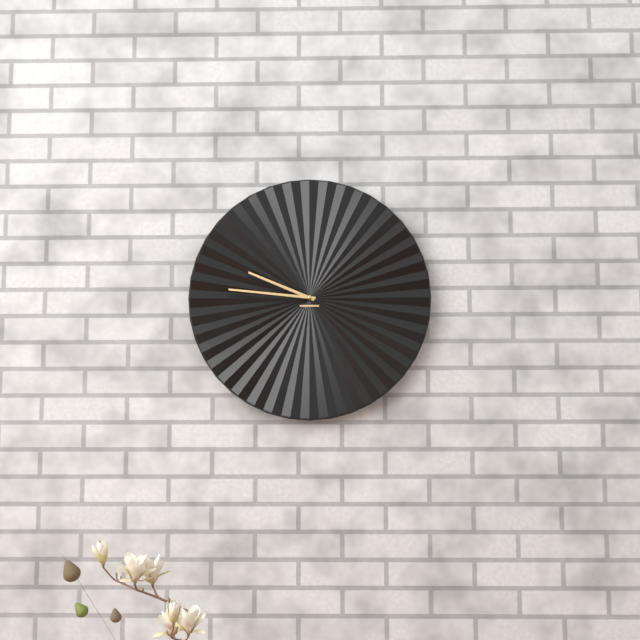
9:46
